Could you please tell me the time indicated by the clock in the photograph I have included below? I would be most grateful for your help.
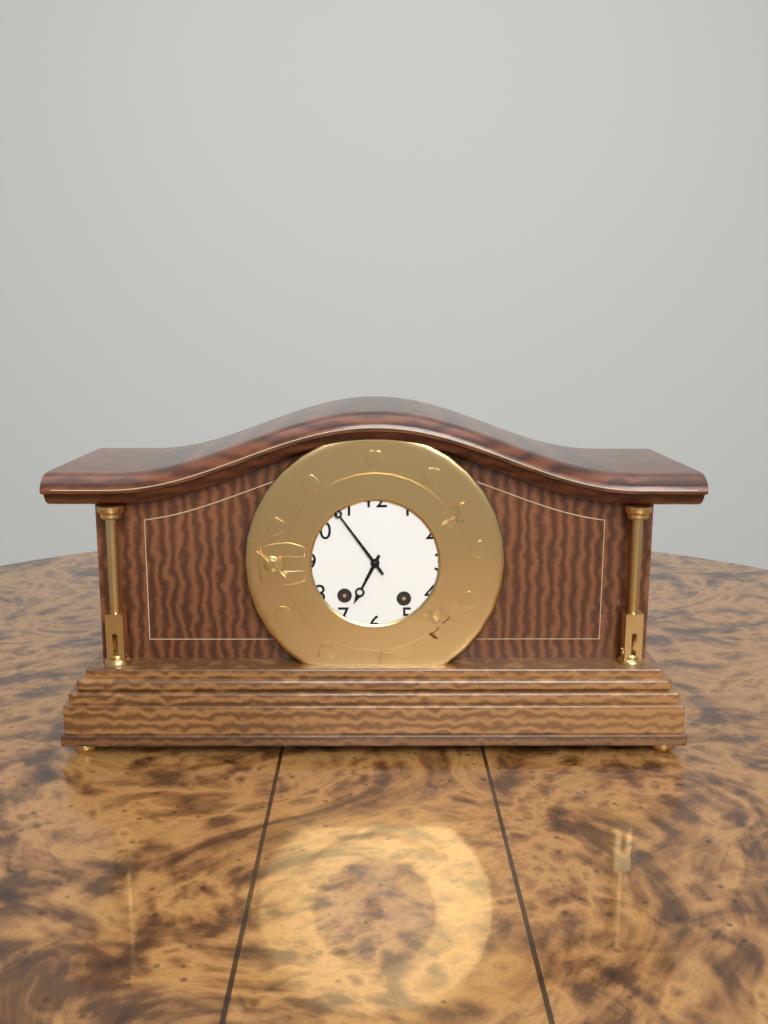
6:54
